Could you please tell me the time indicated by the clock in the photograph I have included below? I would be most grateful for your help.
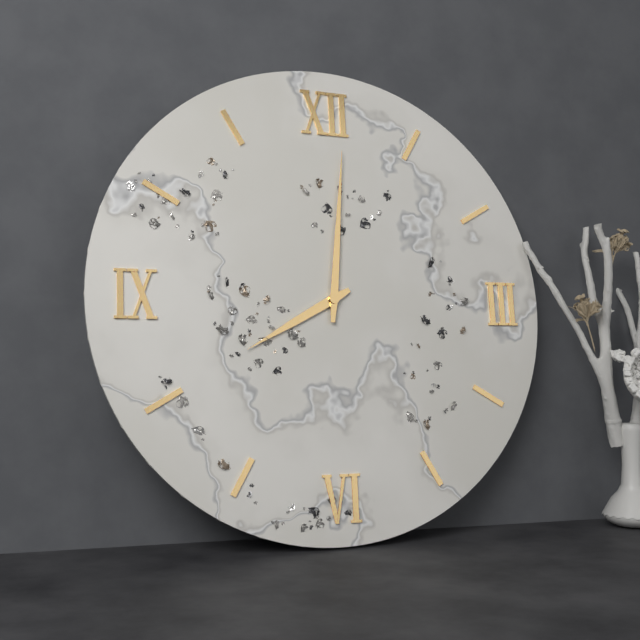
8:01
